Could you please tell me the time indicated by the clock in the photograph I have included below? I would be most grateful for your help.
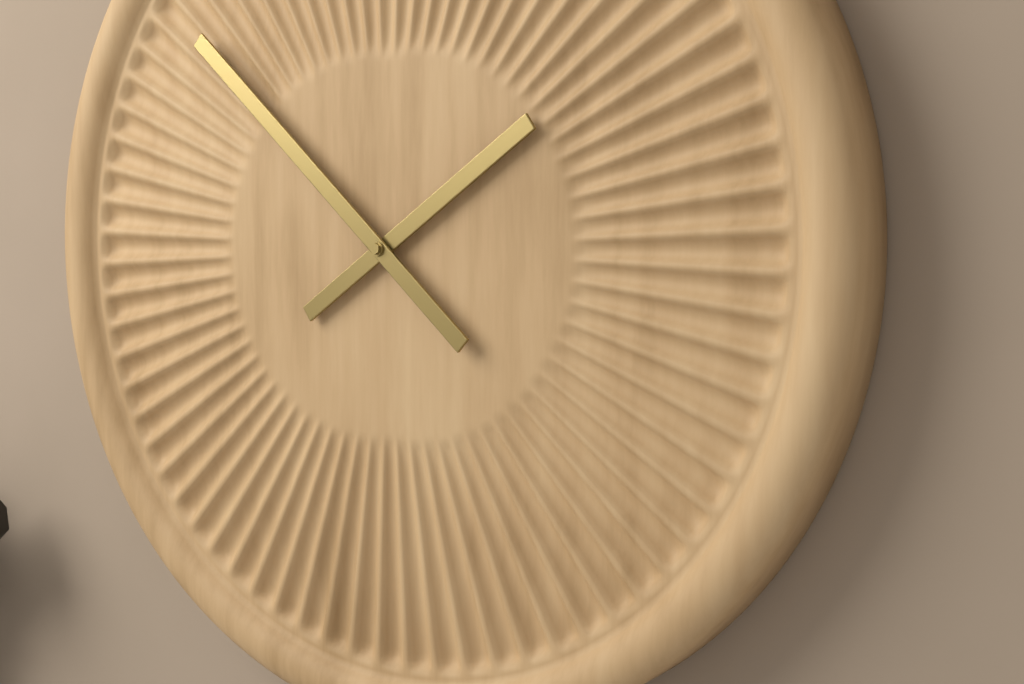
1:52
